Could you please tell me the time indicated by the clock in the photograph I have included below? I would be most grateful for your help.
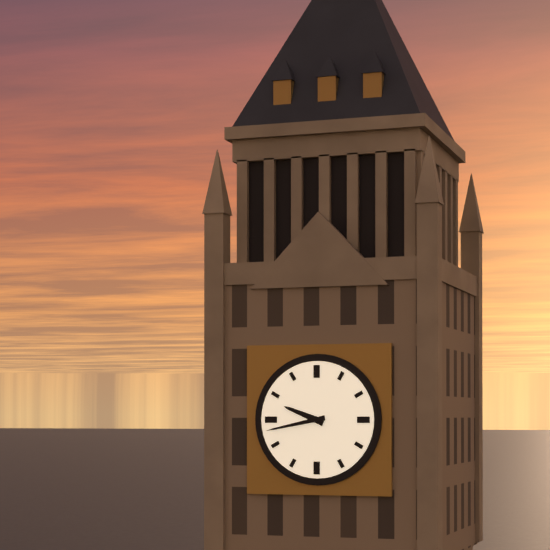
9:43
